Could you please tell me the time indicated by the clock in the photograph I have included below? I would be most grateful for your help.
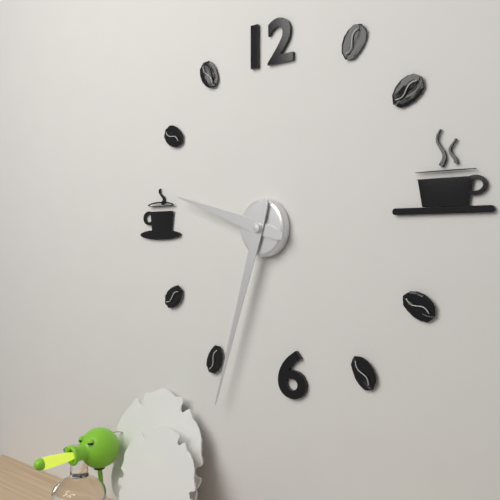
9:33
